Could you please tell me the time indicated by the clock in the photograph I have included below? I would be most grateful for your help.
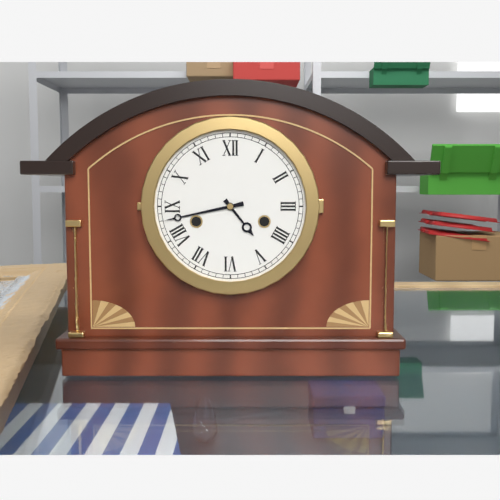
4:43
